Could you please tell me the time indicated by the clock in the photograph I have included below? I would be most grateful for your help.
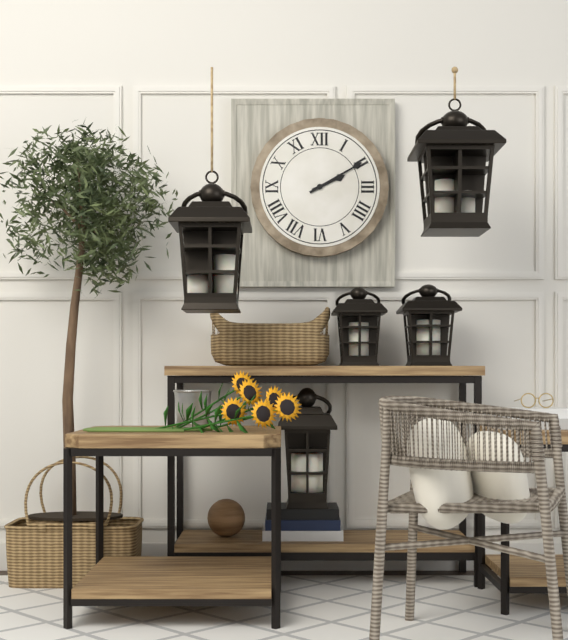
2:10
